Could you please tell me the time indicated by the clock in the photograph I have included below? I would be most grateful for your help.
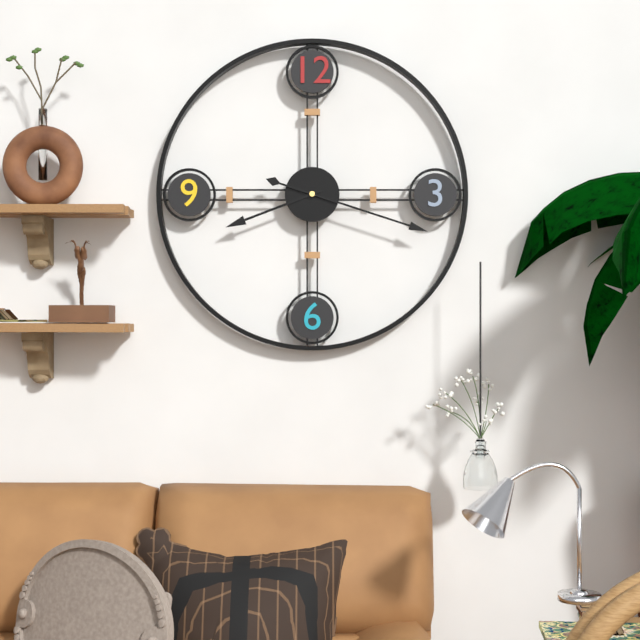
8:18
